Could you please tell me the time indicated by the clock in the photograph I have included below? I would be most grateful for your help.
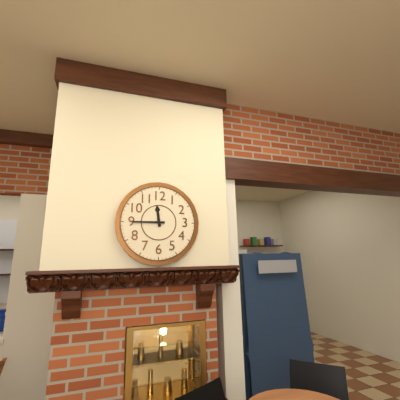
11:45
